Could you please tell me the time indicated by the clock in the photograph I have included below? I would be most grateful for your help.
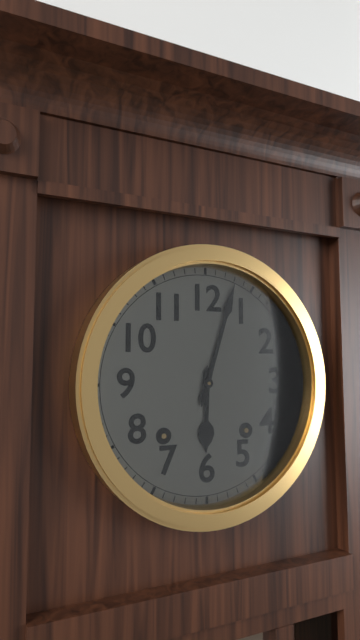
6:03
